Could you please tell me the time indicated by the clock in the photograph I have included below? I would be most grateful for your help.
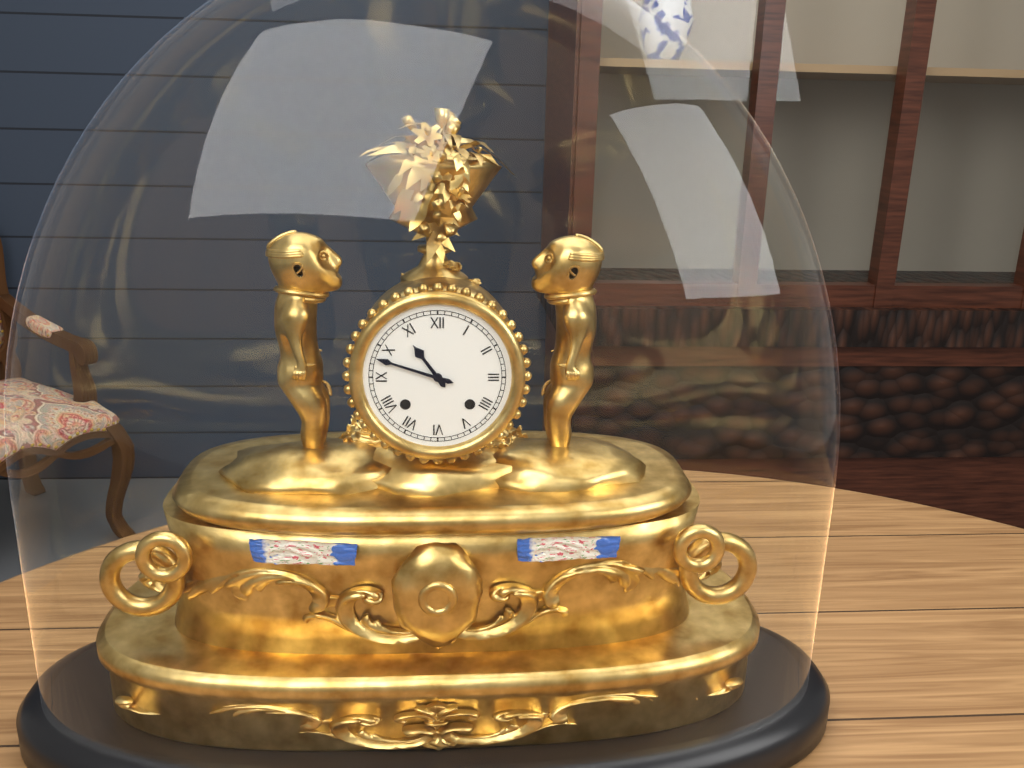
10:48
